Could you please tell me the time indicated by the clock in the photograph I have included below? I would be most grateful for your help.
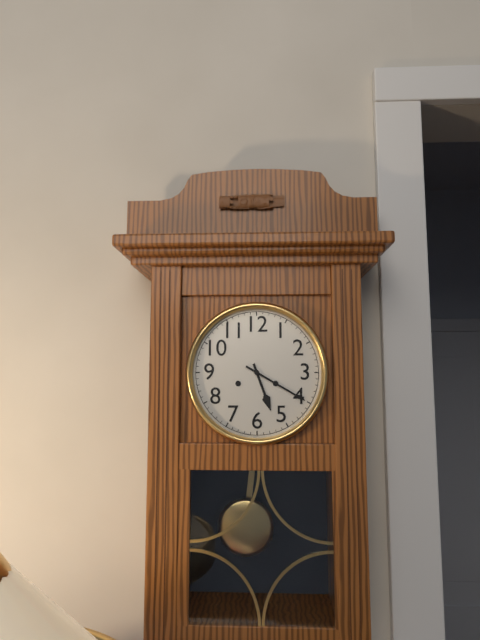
5:20
